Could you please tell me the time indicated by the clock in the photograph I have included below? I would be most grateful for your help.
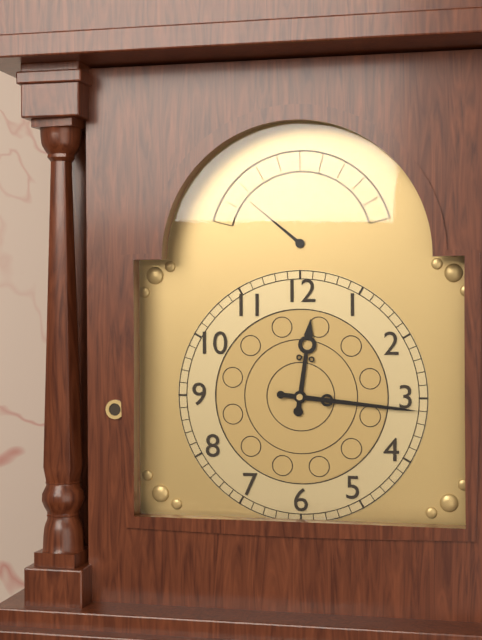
12:16
